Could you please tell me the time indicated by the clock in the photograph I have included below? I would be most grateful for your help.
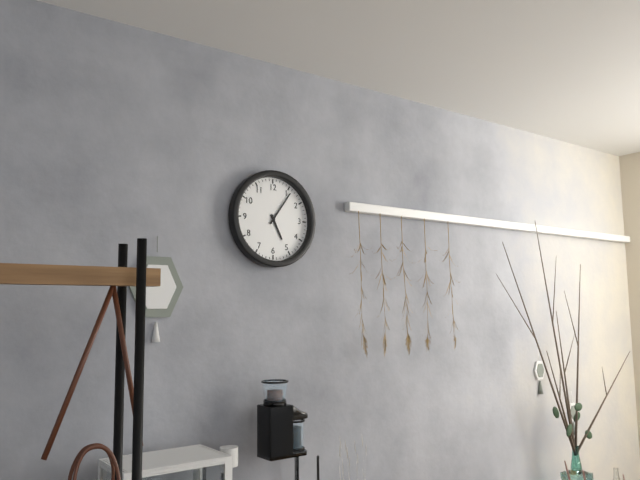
5:06
